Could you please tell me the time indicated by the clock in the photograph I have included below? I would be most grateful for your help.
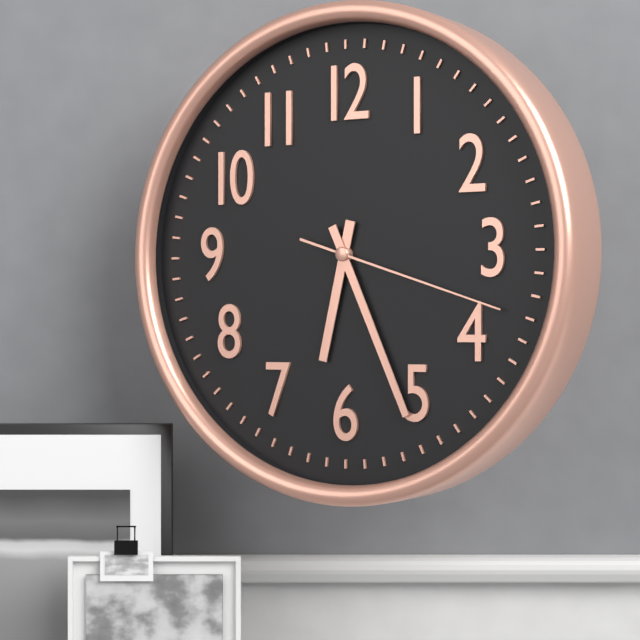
6:26:18
